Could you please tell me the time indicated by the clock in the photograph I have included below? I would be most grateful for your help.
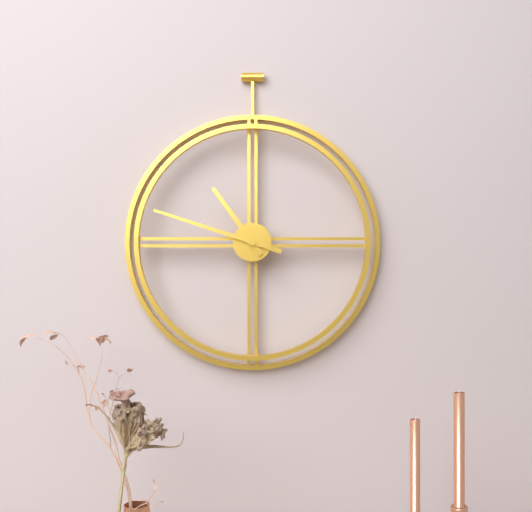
10:48
